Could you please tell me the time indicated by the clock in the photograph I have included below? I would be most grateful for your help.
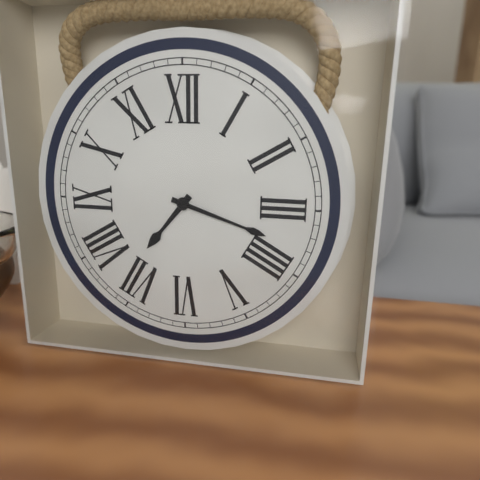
7:18
